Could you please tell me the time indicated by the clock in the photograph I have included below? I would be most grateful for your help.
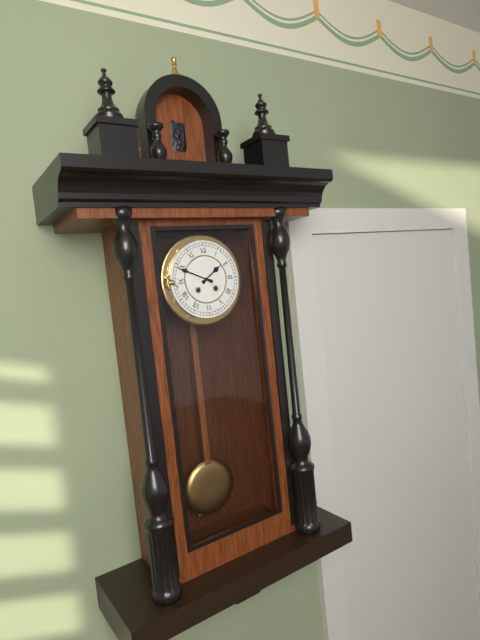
1:49
